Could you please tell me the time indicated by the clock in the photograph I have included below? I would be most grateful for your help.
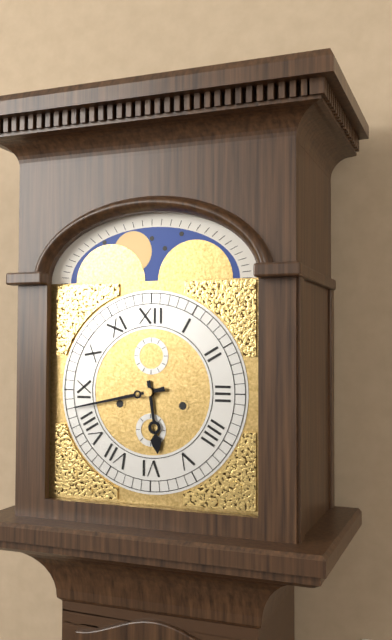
5:43
